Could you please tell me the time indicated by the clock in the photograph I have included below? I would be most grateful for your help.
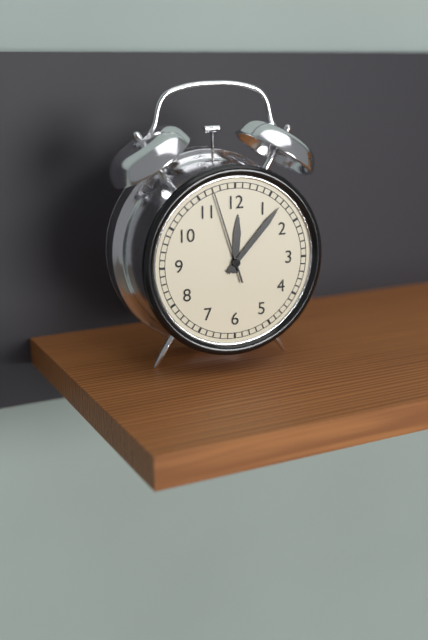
12:07:57
